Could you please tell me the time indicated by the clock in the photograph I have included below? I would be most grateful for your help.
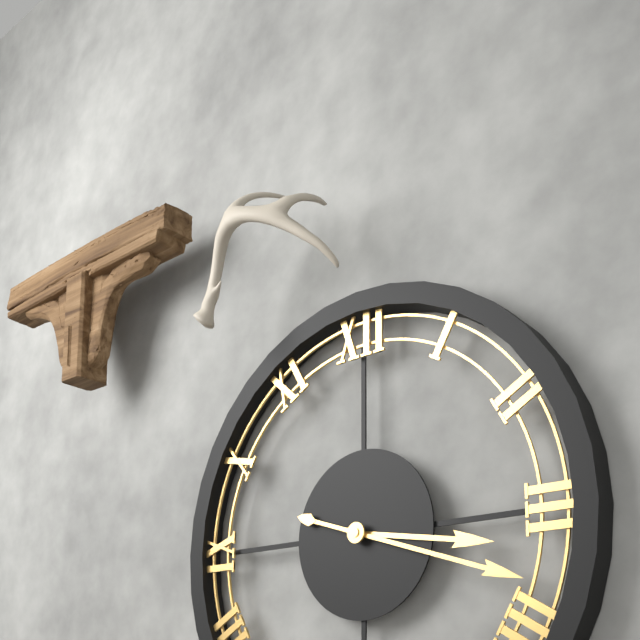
3:18
